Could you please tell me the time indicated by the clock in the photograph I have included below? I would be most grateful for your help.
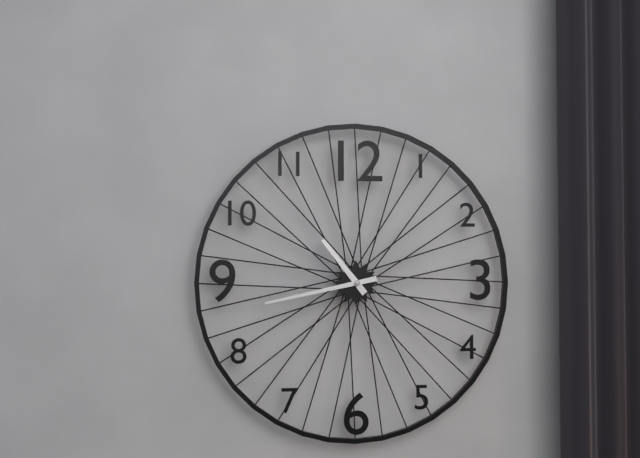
10:43
